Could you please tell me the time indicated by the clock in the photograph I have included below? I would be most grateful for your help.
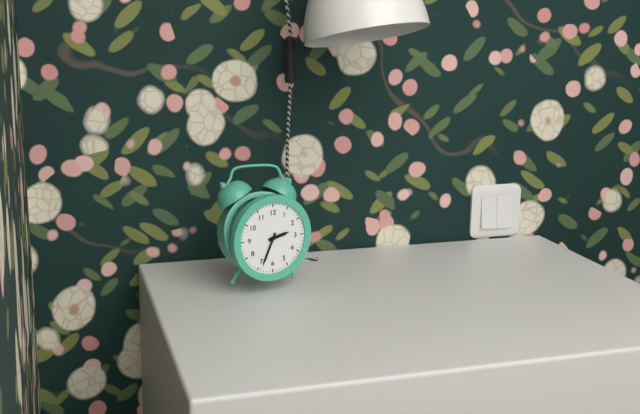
2:34
